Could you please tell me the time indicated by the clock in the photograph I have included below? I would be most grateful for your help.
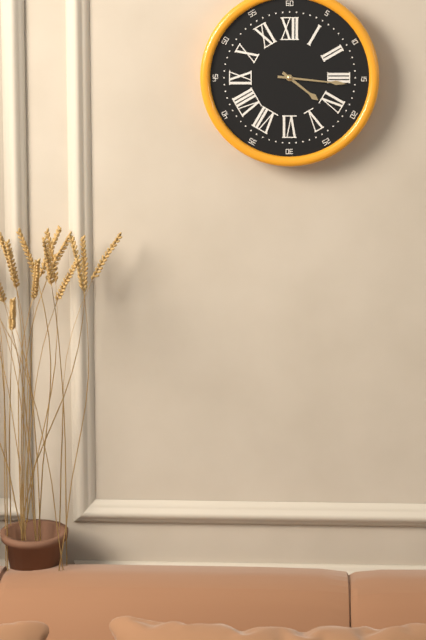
4:16
